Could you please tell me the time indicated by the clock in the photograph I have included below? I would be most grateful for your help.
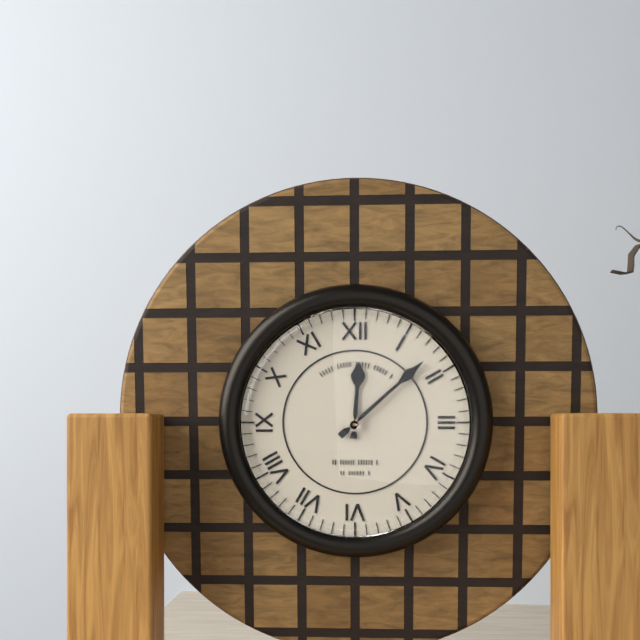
12:08
